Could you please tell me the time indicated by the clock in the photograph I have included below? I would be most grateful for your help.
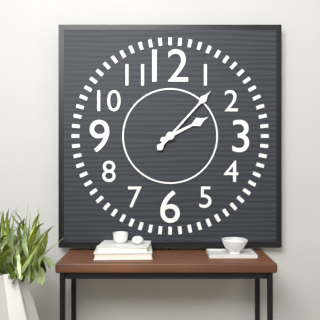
2:07
